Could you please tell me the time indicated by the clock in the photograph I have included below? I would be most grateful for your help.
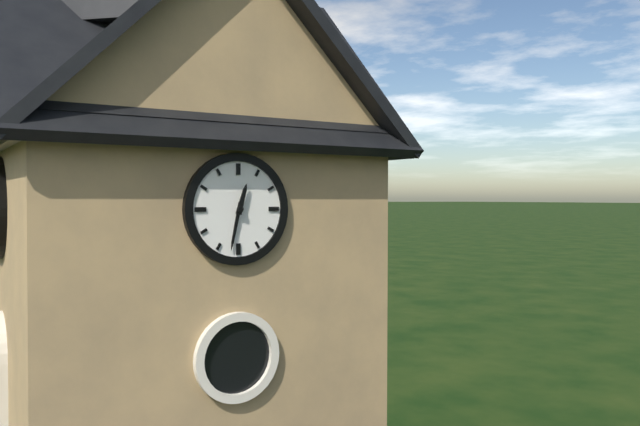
12:32
